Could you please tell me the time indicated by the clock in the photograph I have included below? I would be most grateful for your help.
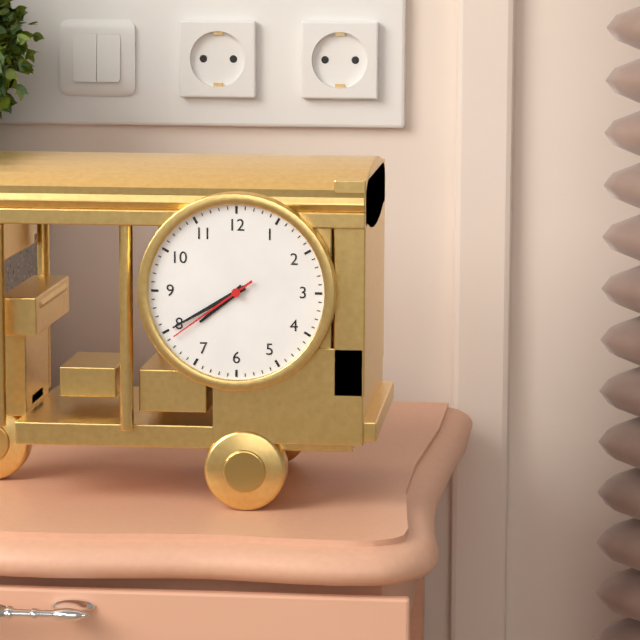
7:40:39
